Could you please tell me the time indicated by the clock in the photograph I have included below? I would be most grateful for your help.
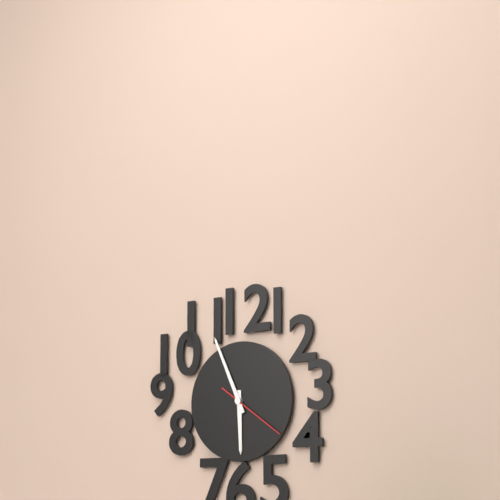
5:56:21
